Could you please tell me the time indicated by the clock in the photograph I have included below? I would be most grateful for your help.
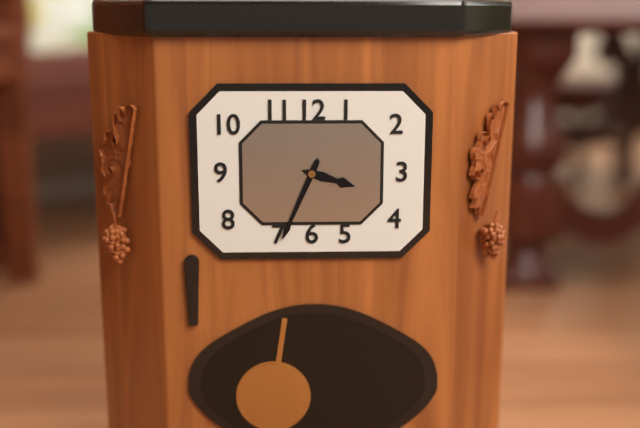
3:34
